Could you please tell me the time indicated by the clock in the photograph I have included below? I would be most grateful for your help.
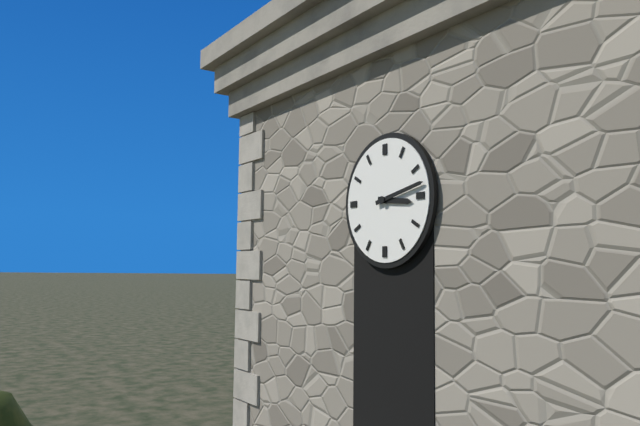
3:13
